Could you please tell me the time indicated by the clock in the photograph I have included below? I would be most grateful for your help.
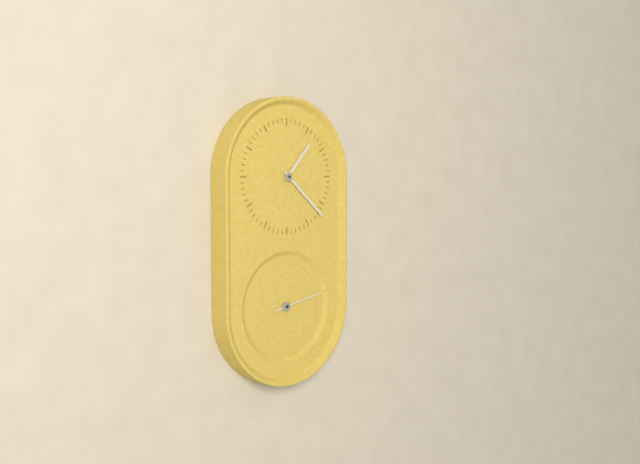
1:22
